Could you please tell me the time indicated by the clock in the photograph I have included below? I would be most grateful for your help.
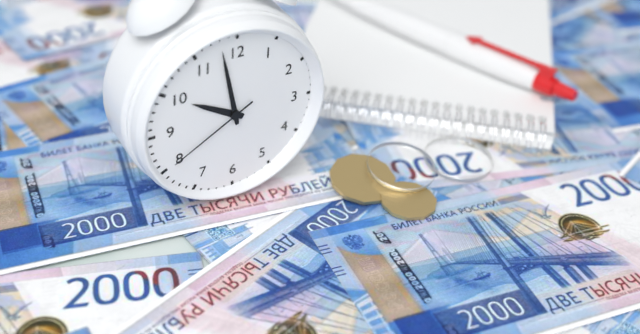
9:58:40
